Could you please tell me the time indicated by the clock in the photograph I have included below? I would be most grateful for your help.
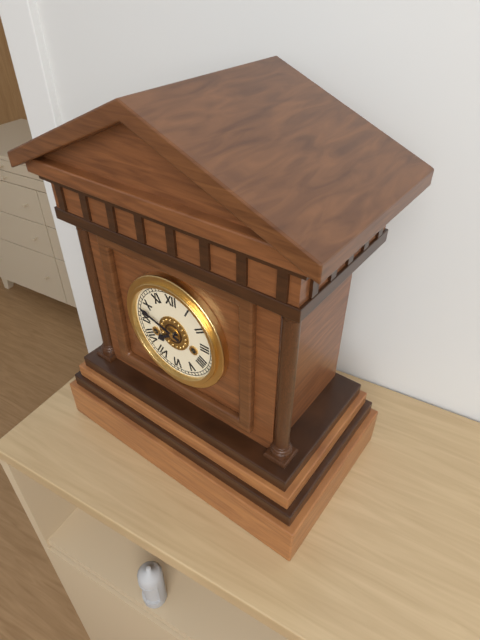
7:48
